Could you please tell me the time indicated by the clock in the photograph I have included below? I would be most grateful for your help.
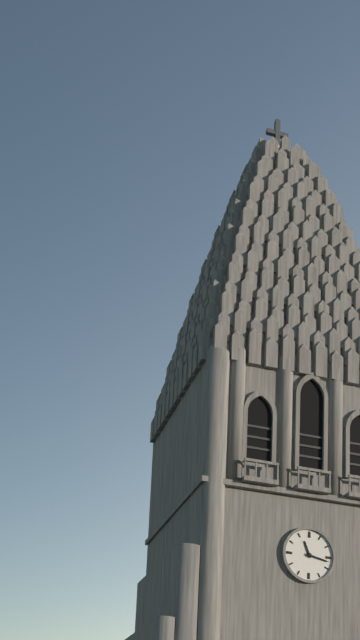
11:17
